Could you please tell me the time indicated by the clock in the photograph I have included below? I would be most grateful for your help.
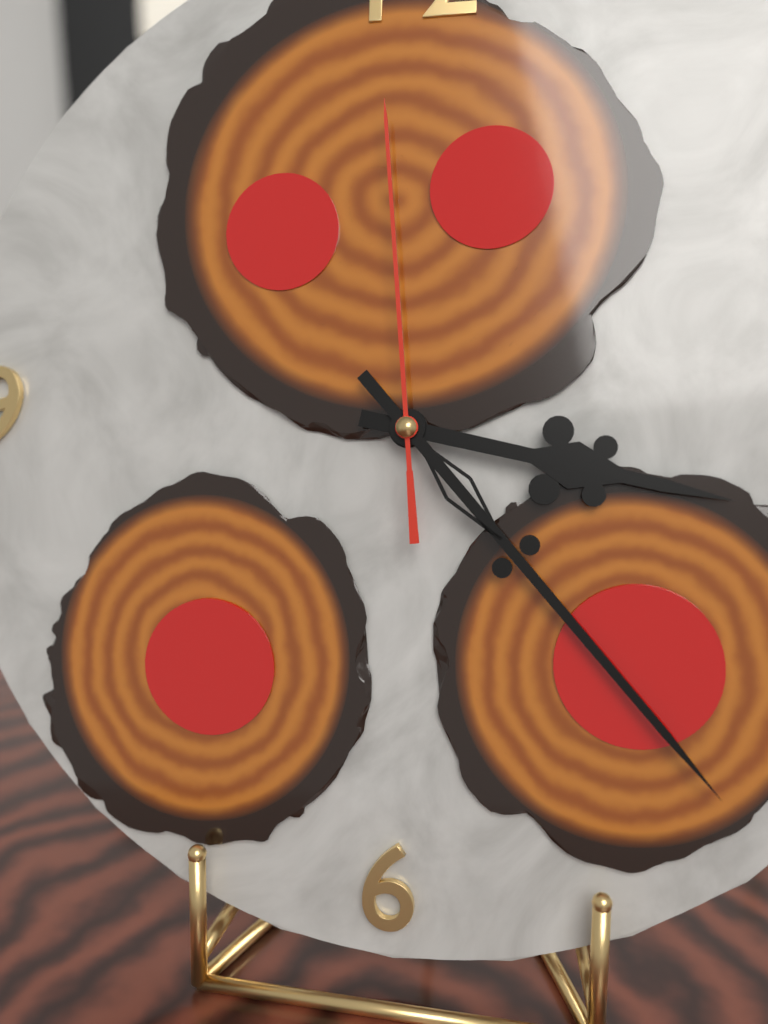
3:23:59
